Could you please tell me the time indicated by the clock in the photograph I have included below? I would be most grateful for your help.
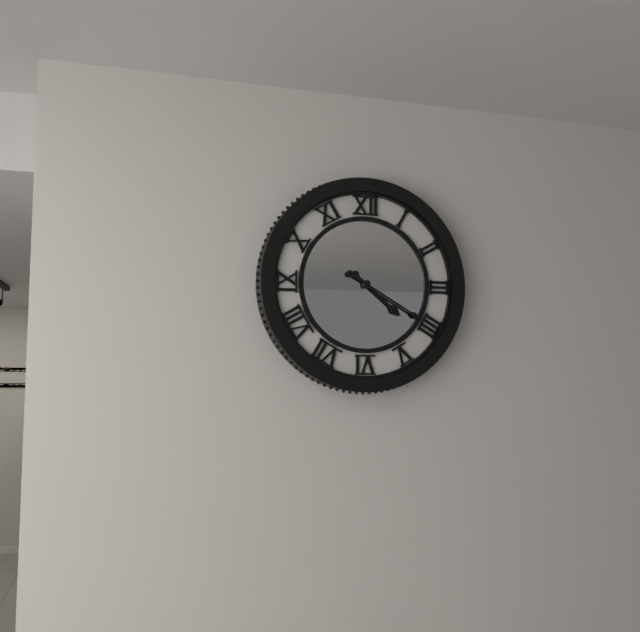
4:20
